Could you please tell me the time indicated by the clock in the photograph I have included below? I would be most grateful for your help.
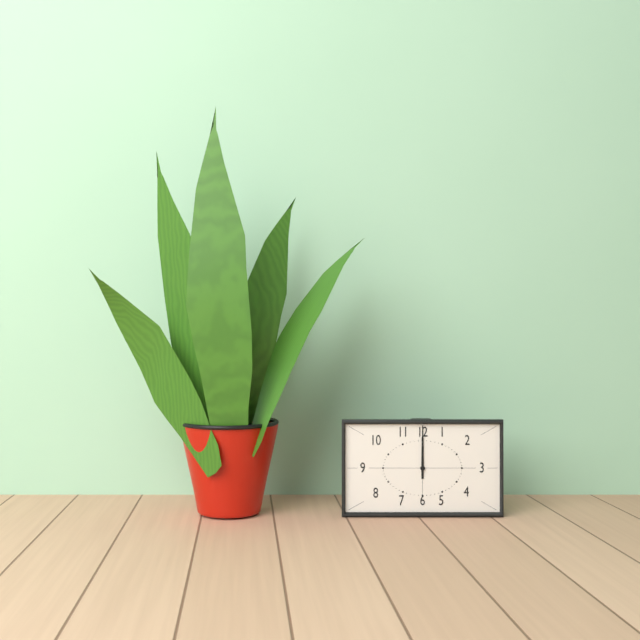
12:00
